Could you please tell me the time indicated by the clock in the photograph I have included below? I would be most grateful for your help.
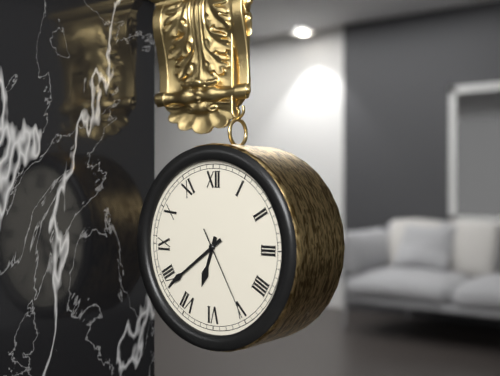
6:39:25
